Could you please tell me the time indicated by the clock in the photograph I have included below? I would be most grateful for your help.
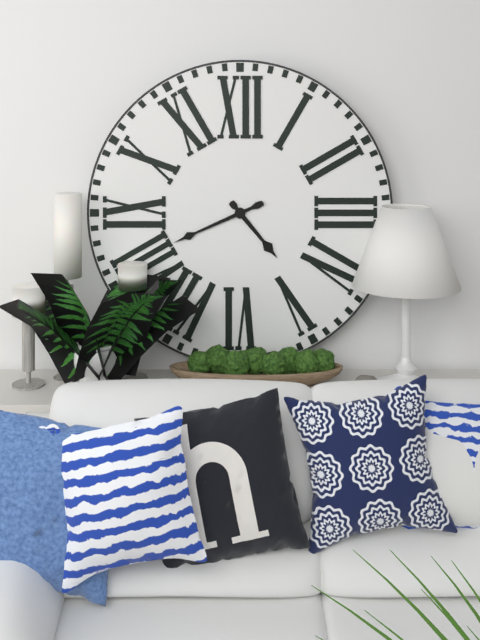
4:41
